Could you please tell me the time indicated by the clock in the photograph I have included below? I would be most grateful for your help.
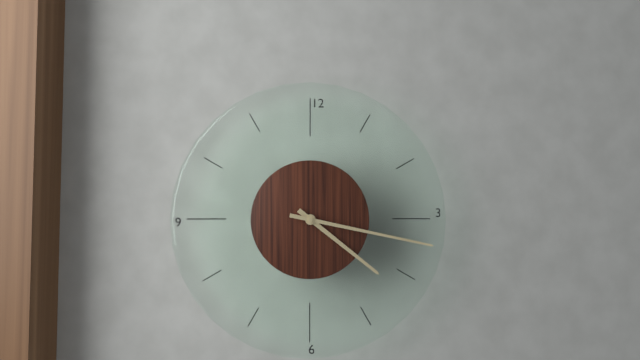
4:17
